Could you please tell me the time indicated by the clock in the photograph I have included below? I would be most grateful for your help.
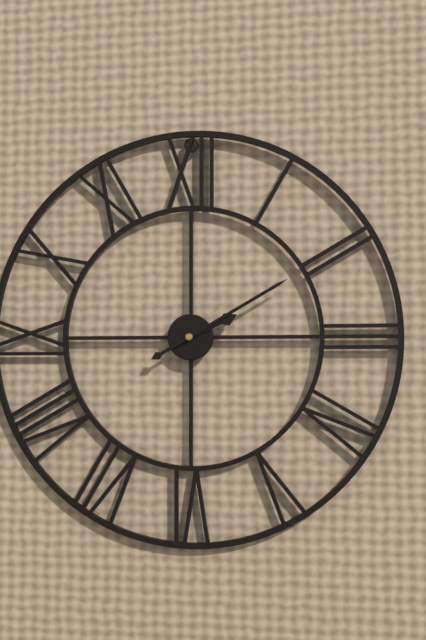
2:10
